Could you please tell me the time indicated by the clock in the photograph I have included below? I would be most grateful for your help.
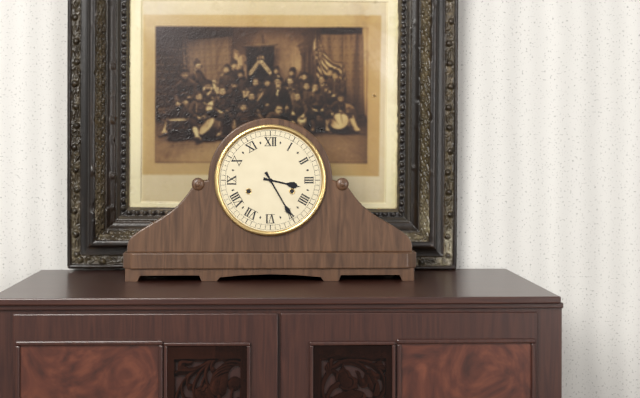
3:25
